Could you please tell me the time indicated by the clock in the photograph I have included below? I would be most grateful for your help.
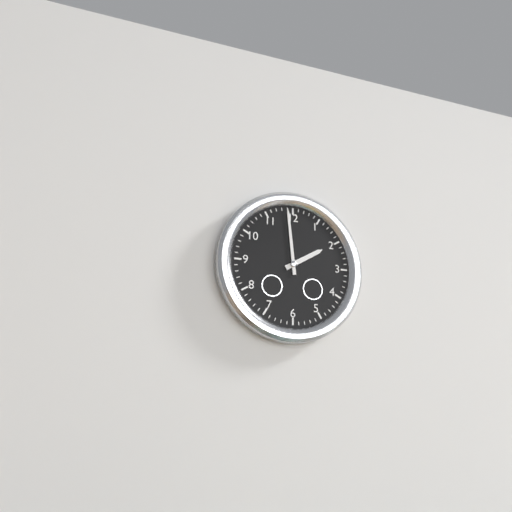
1:59
